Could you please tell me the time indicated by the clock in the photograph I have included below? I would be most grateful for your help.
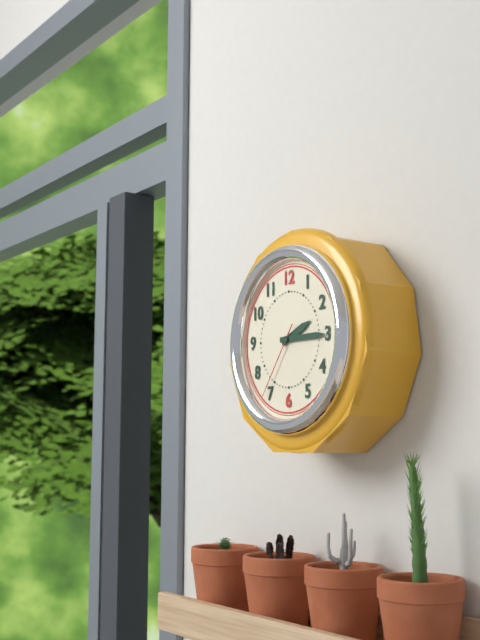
2:15:36
